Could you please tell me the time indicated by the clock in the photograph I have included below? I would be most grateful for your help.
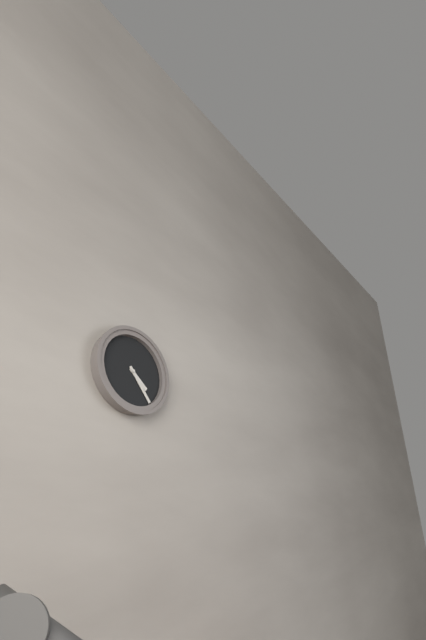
4:24
